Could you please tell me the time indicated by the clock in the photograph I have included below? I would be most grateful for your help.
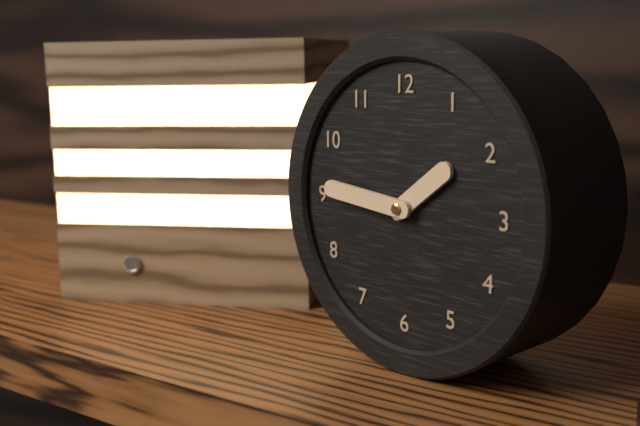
1:46
